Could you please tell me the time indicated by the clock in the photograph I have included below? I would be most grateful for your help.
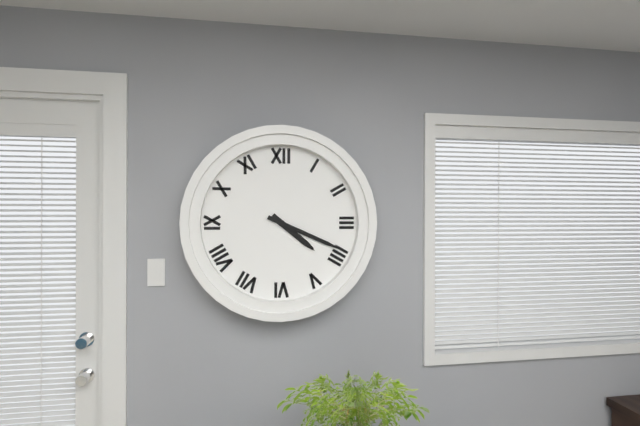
4:19
